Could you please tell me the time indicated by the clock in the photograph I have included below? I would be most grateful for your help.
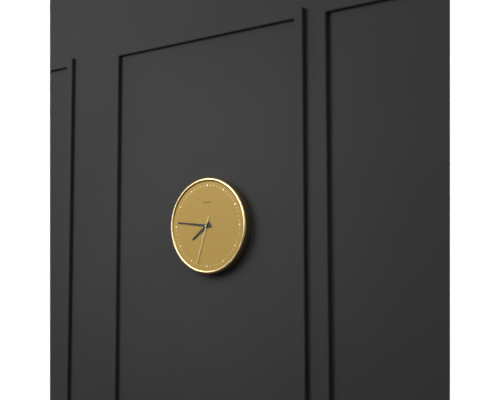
7:46:33
